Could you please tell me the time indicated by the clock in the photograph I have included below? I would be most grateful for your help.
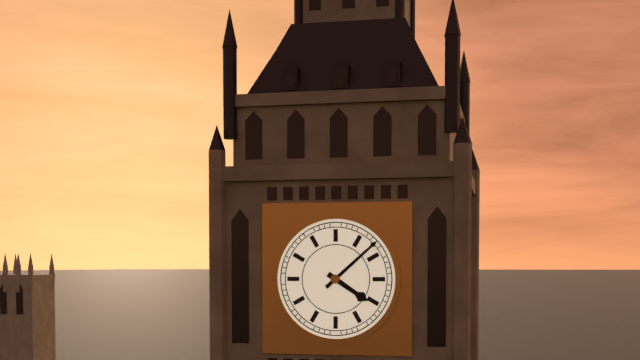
4:08
